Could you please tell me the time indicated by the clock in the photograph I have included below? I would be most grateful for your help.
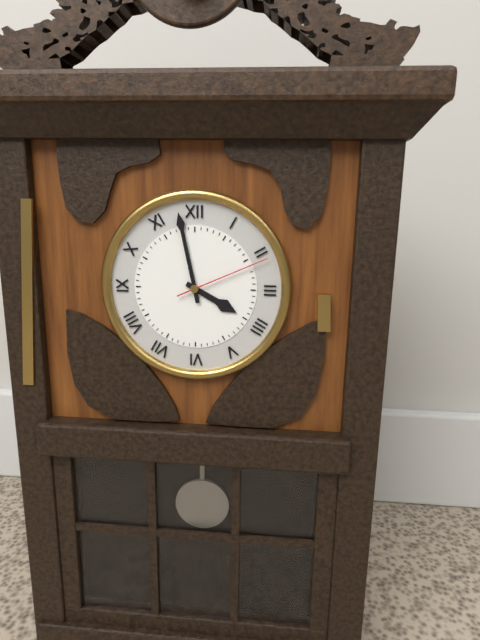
3:58:11
